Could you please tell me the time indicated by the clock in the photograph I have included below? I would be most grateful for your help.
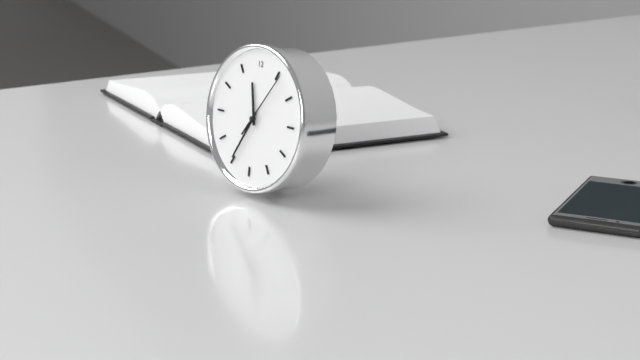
11:35:06
